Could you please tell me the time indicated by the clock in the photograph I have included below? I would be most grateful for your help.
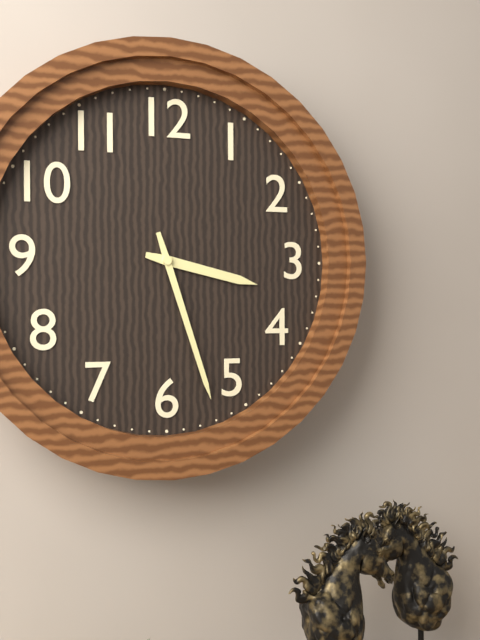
3:27
